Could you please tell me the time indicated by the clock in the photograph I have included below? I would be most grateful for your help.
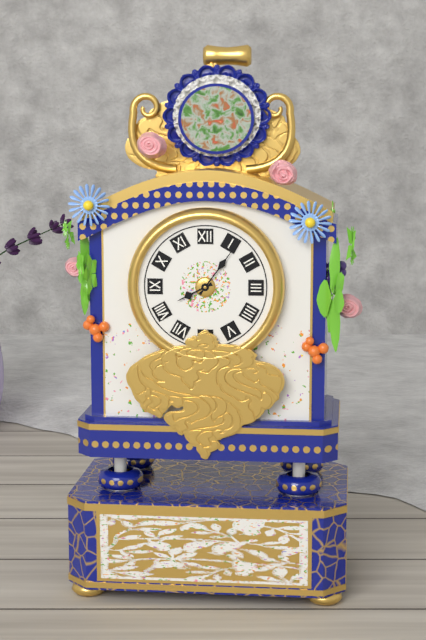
8:06
